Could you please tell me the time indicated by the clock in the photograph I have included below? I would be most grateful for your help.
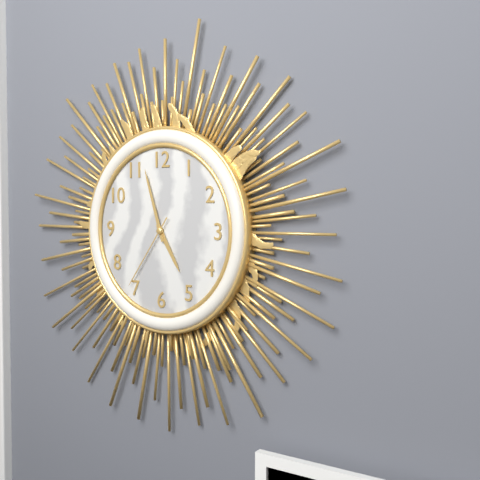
4:57:36
